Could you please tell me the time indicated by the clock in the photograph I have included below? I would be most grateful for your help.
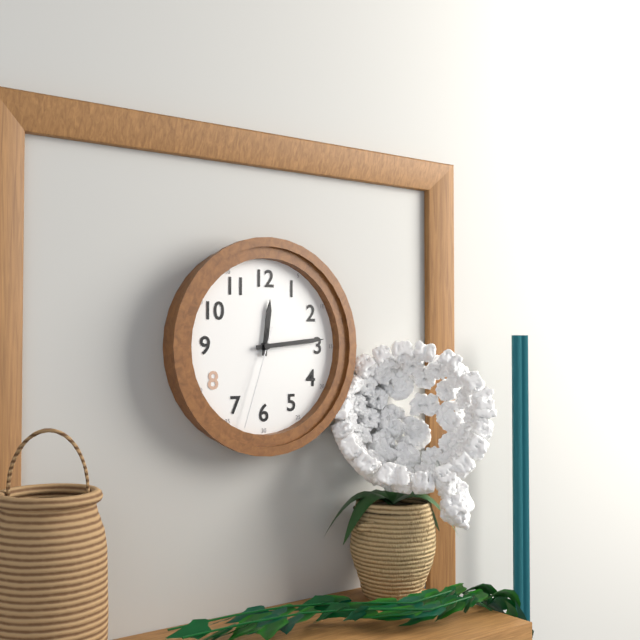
12:14:33
